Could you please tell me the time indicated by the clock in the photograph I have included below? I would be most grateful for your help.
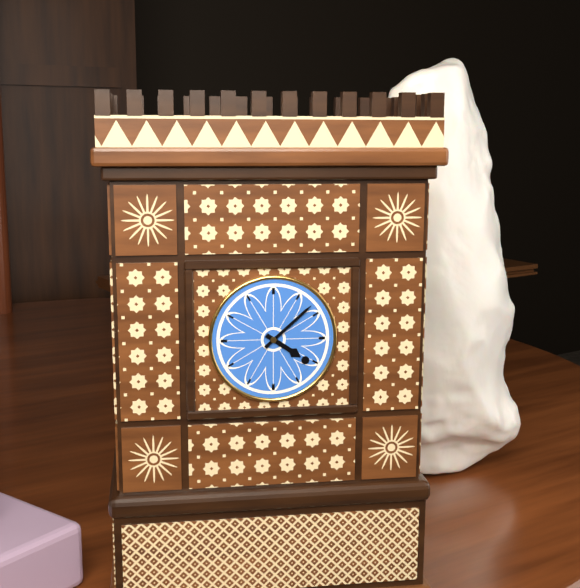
4:08
